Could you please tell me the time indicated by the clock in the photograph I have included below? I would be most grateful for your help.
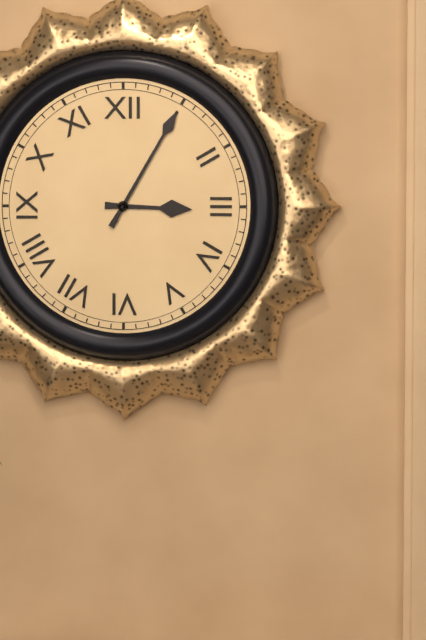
3:05
